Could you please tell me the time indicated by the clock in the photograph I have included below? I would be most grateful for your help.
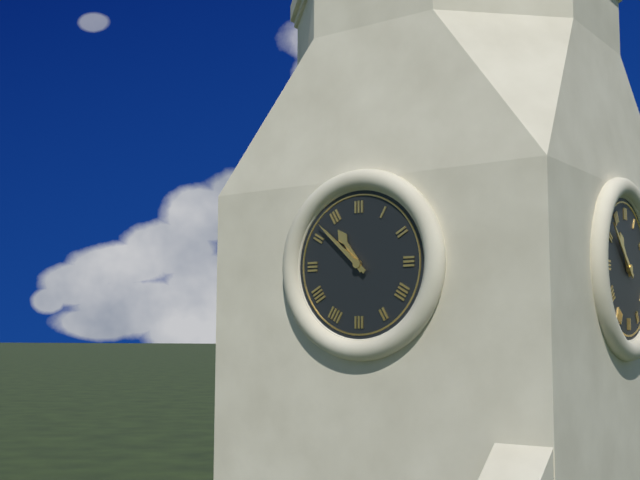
10:52
